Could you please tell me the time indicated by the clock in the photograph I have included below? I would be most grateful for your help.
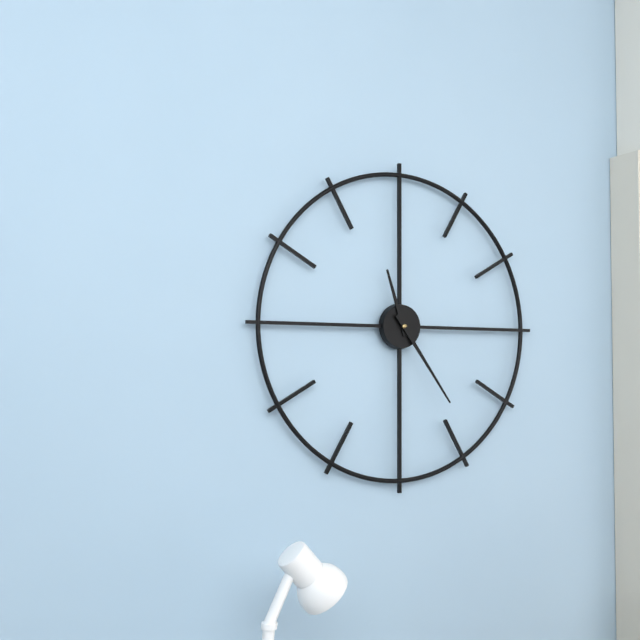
11:24
